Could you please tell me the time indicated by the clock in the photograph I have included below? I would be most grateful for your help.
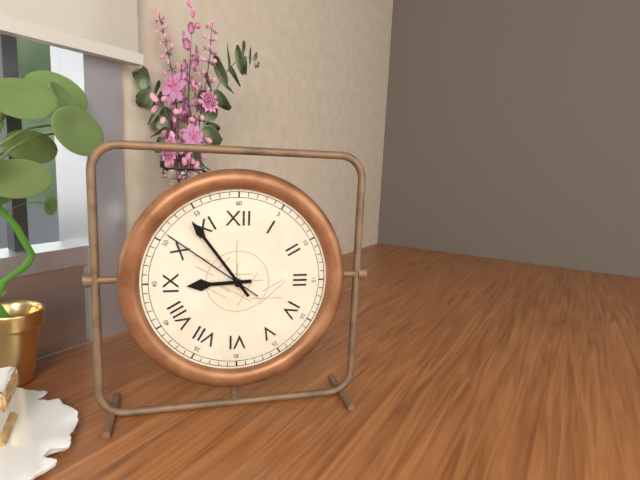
8:54:51
